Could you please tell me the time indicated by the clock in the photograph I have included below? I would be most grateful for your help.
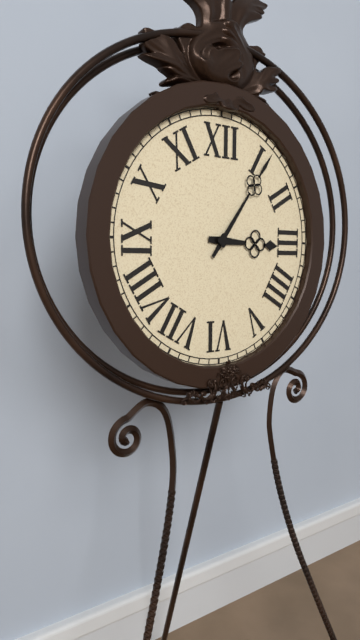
3:06
